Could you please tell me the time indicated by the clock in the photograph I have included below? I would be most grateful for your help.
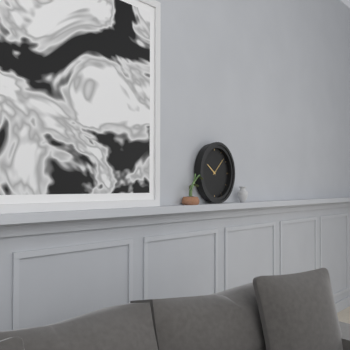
10:08
